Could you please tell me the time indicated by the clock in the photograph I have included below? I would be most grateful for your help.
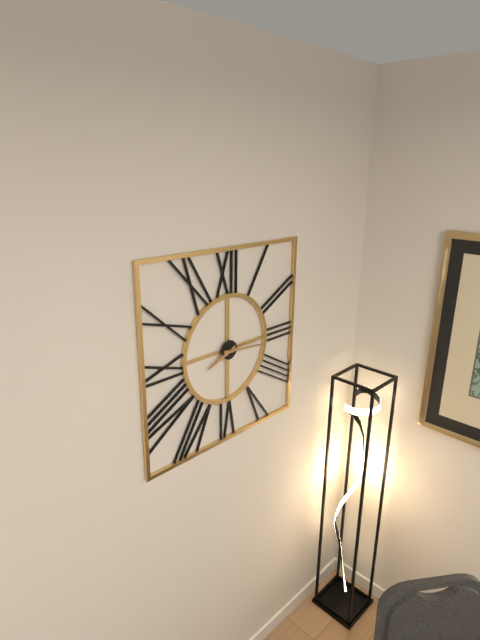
8:16
